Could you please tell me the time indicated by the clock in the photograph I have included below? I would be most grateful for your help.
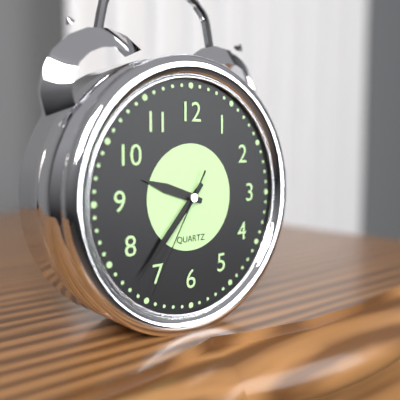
9:37:35
